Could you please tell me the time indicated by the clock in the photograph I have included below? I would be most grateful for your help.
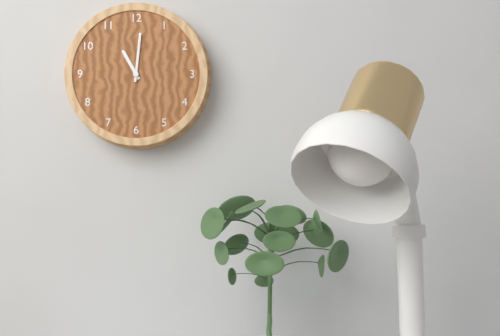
11:01
